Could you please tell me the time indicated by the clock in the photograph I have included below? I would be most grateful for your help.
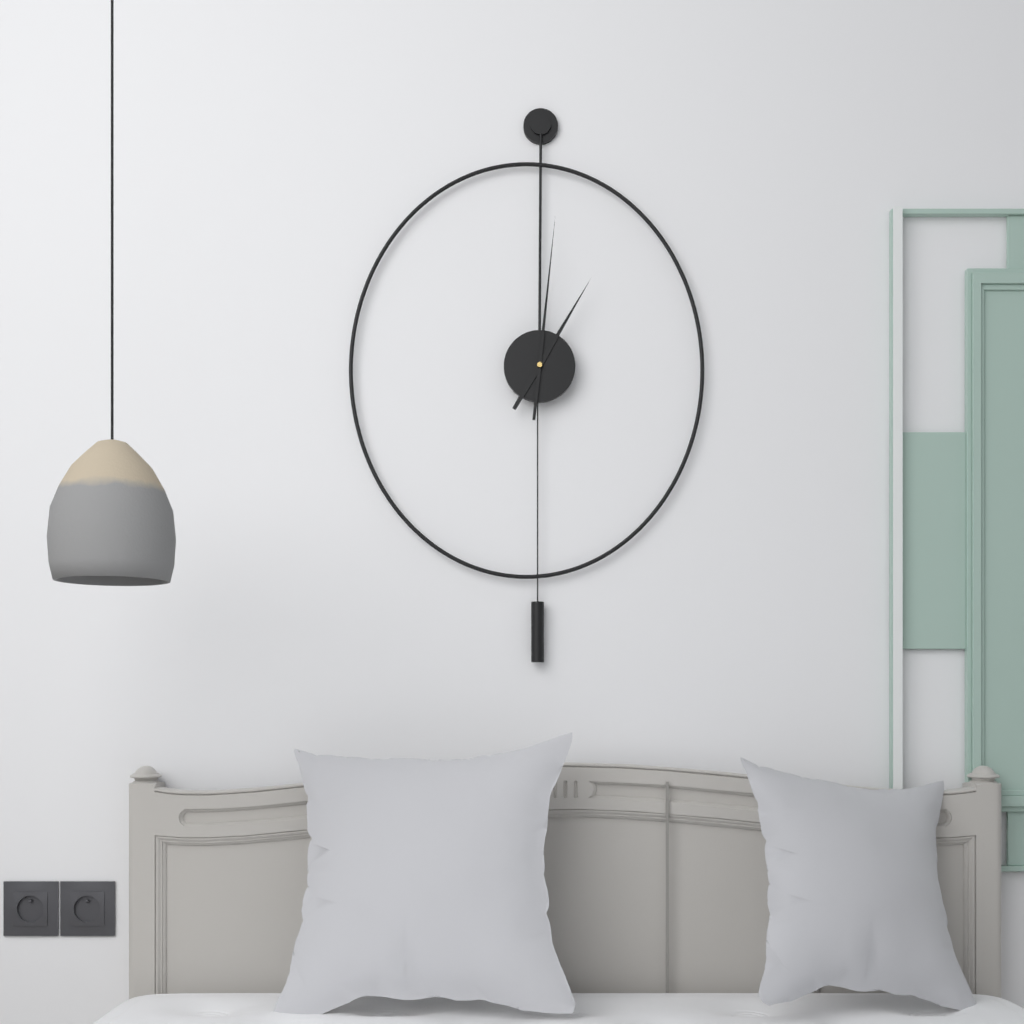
1:01
